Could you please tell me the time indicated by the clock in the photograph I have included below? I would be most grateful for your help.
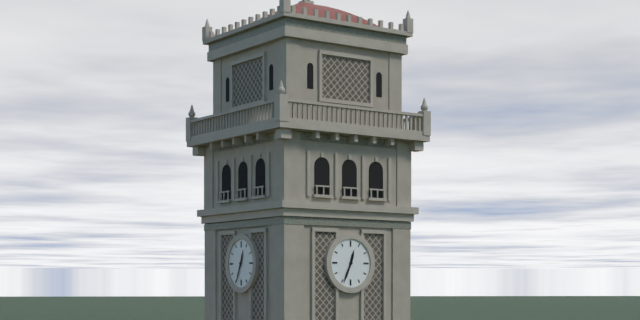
12:34
